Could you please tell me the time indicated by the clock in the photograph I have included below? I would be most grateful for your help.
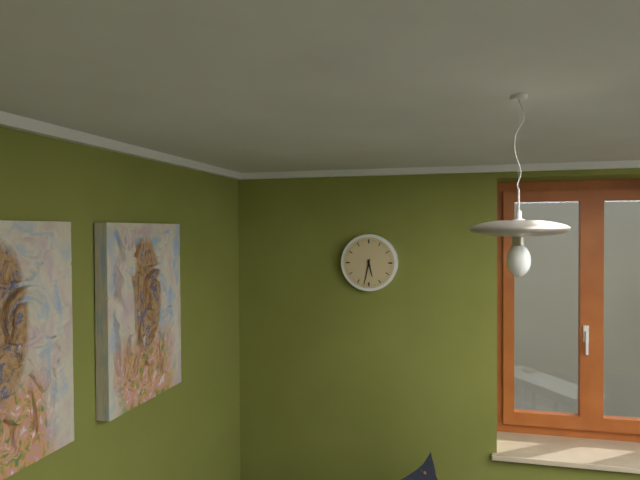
5:32
